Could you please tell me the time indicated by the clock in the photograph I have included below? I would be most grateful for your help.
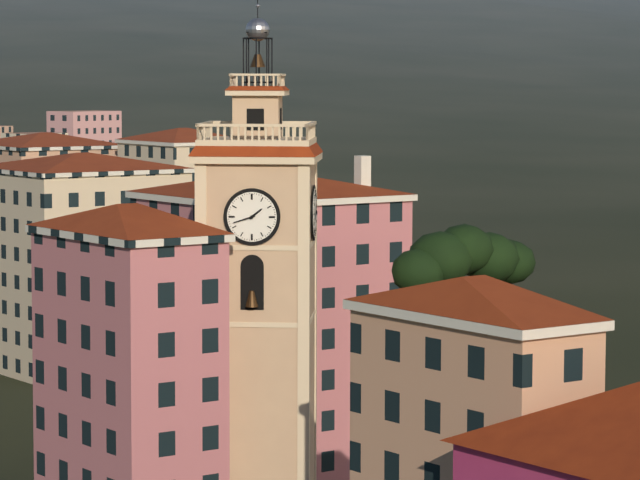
1:42
